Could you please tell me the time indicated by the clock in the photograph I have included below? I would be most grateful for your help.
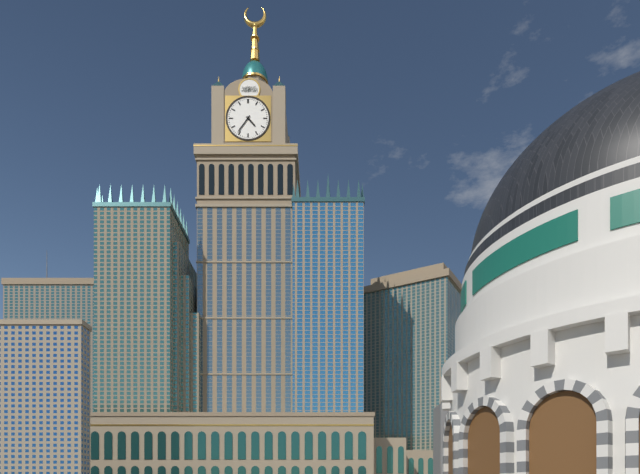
4:36
